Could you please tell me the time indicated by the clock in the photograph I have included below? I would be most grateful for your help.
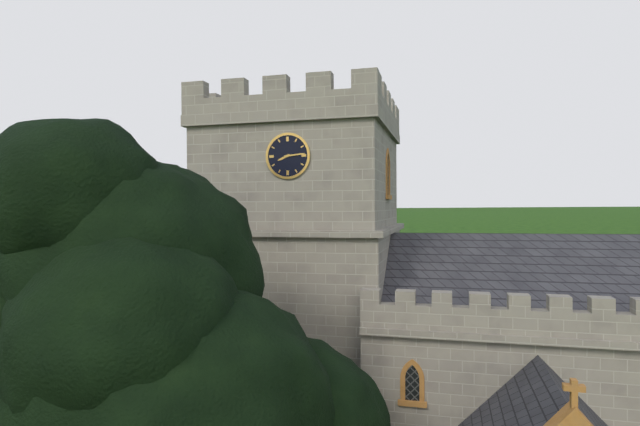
8:14
